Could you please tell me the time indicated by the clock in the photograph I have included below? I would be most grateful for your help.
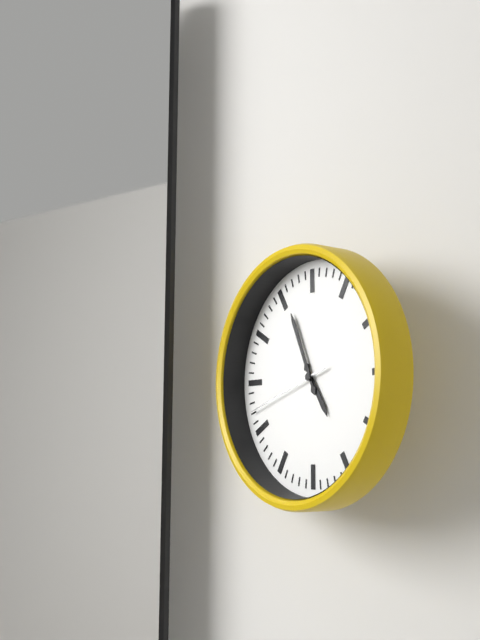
4:56:42
